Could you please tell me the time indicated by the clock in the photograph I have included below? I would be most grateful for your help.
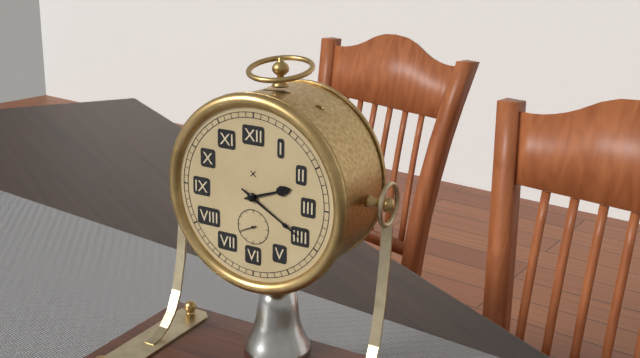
2:20
